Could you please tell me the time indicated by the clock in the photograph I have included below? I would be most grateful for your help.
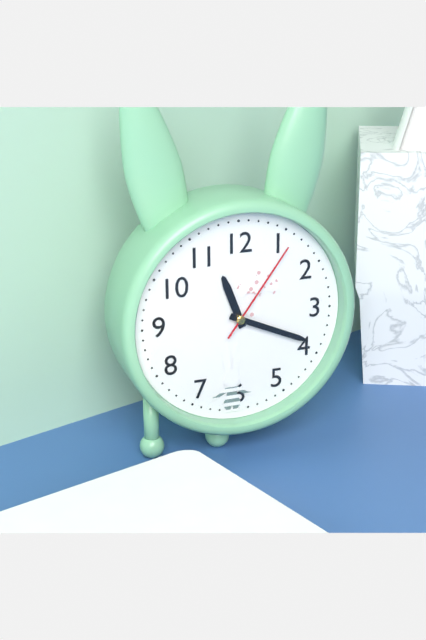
11:19:06
